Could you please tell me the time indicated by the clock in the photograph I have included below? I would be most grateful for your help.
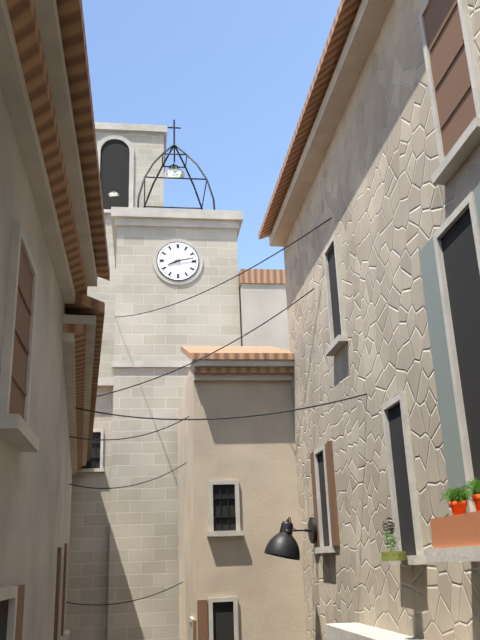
8:13
